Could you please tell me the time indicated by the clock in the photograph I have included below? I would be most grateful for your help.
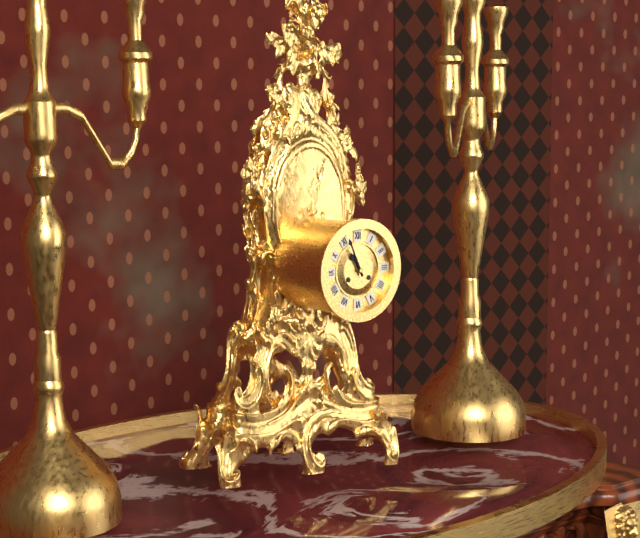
10:56
